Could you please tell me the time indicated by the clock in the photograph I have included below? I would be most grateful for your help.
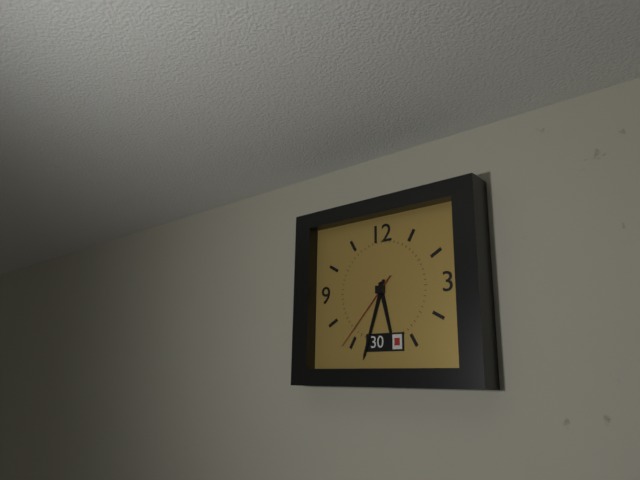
5:33:37
